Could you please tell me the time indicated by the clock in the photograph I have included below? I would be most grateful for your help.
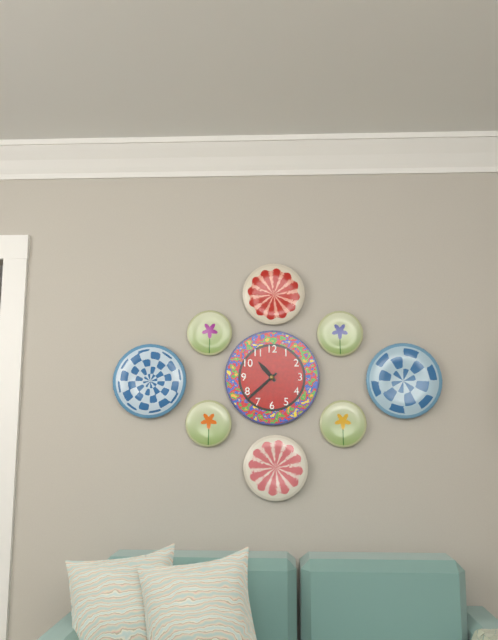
10:38
